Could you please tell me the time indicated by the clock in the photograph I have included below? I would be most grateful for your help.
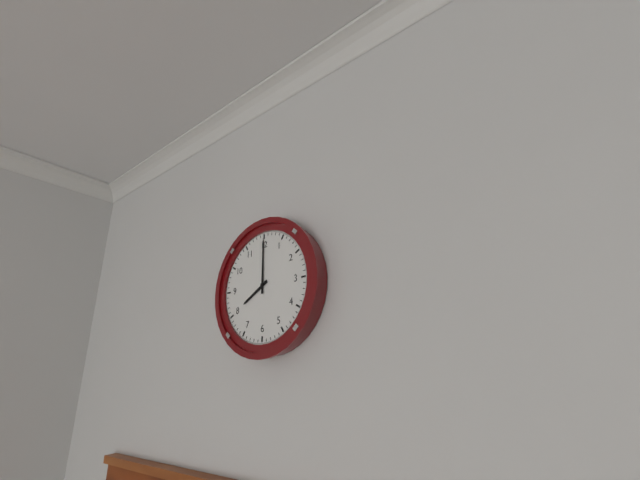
8:00
